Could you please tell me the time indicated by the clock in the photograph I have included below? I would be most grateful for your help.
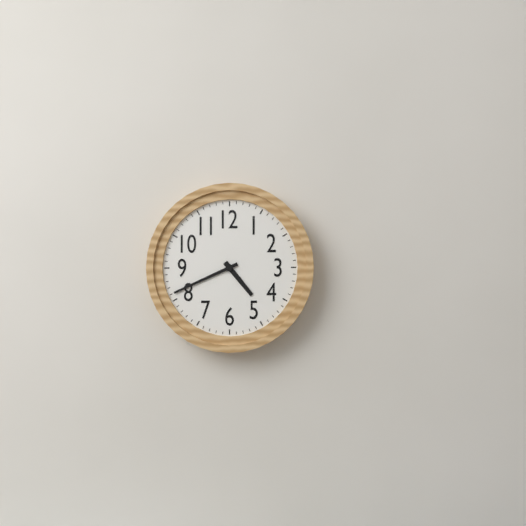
4:41
